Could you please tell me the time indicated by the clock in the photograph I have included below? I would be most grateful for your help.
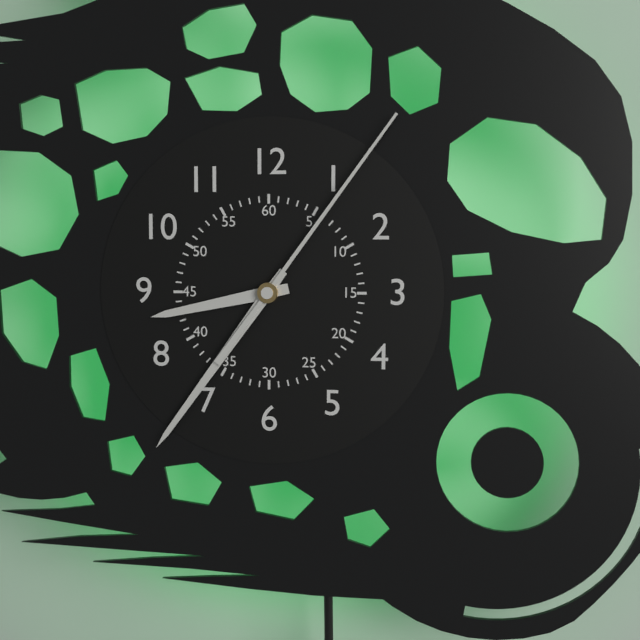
8:36:06
